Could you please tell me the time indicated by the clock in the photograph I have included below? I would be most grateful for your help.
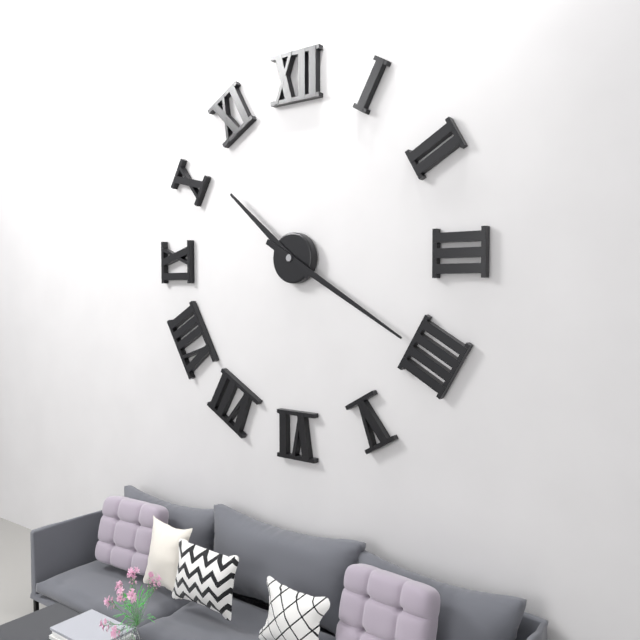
10:20
